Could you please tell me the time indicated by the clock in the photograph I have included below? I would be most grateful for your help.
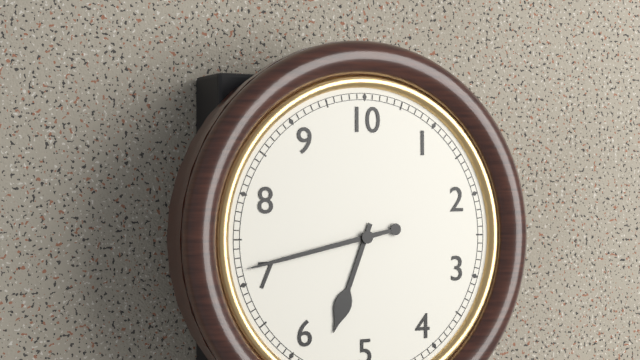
6:43
